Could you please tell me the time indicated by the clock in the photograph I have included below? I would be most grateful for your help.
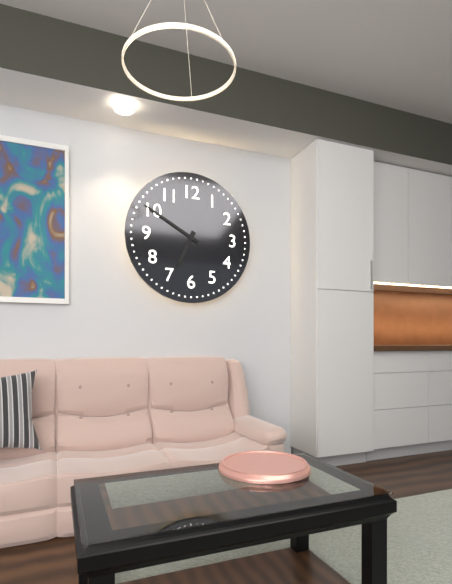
6:50
